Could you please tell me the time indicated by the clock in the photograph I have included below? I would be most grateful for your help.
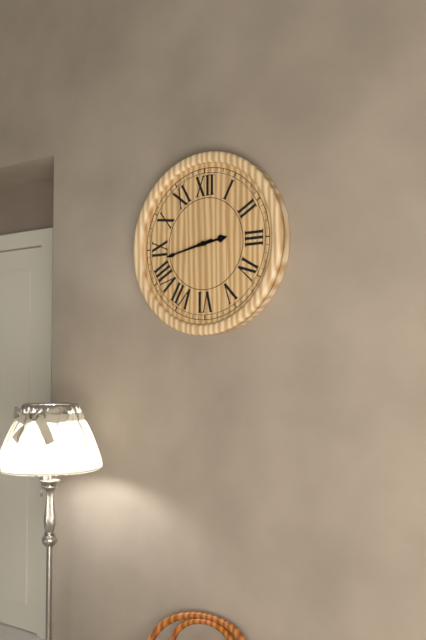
2:43
